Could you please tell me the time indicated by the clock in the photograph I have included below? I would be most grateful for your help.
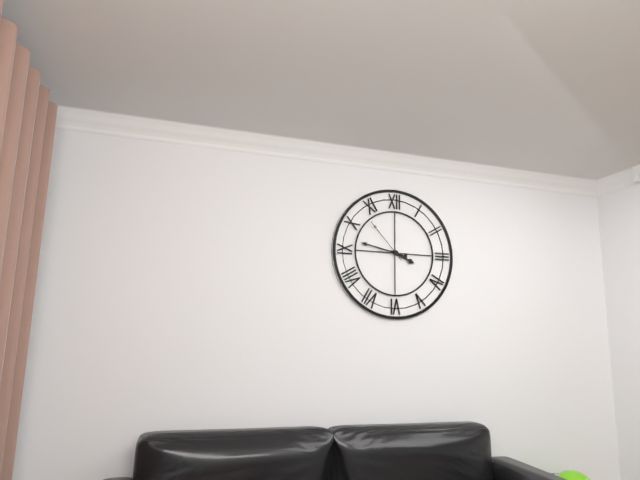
3:47
